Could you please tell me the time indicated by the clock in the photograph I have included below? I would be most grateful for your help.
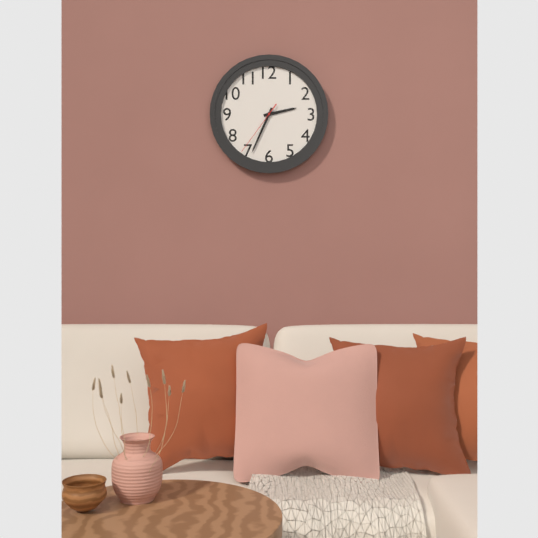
2:34:36
